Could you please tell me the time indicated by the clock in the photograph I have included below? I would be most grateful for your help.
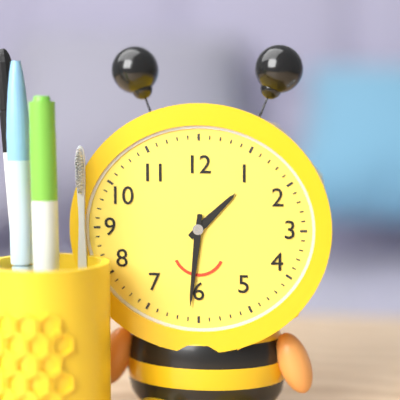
1:31
